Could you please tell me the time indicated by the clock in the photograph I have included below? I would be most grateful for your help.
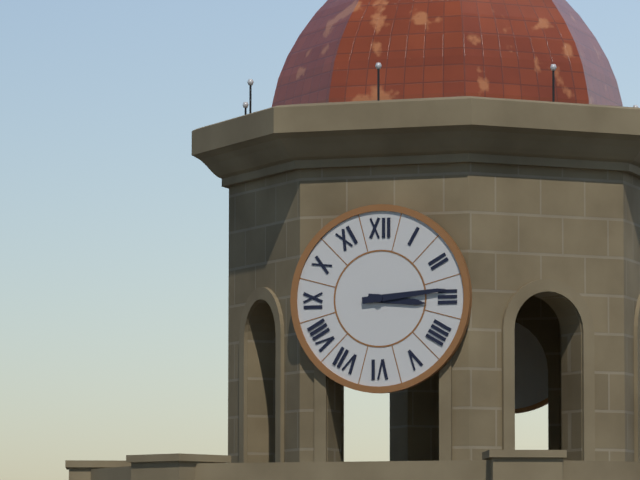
3:14
